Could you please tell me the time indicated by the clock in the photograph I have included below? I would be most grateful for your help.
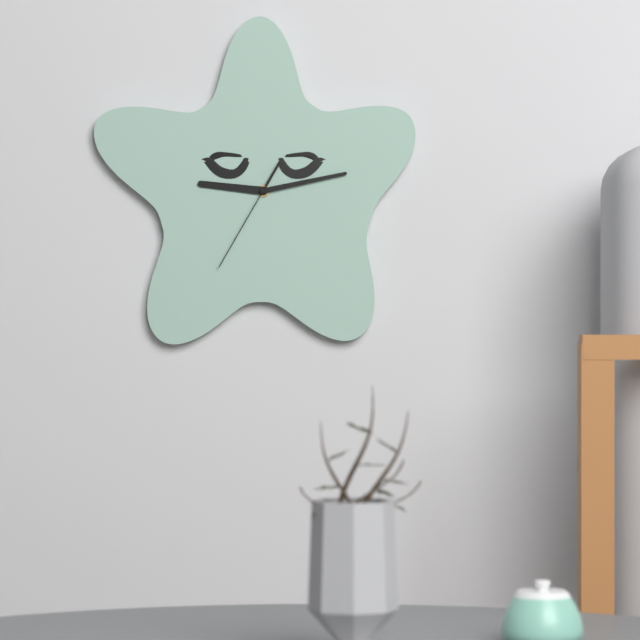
9:13:35
